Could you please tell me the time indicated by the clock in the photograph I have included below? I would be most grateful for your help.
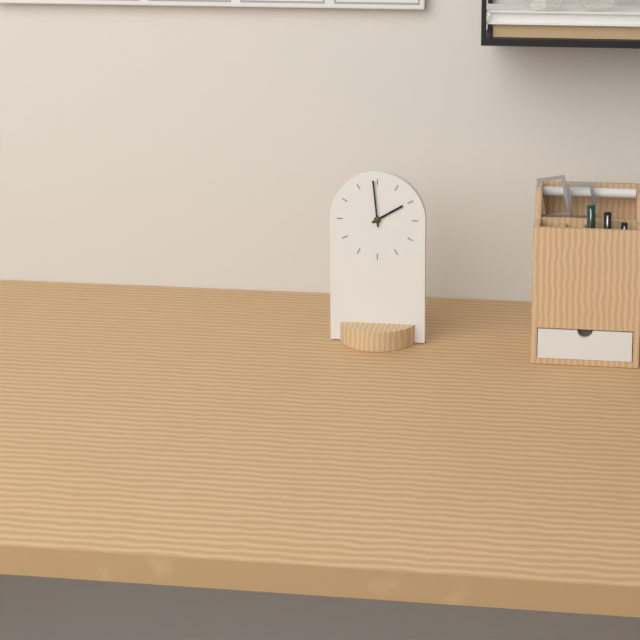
1:59
